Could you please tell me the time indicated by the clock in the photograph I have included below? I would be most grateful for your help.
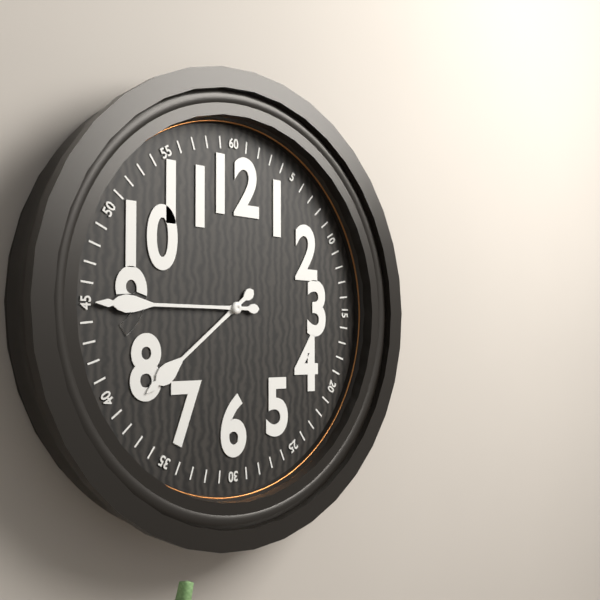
7:45
